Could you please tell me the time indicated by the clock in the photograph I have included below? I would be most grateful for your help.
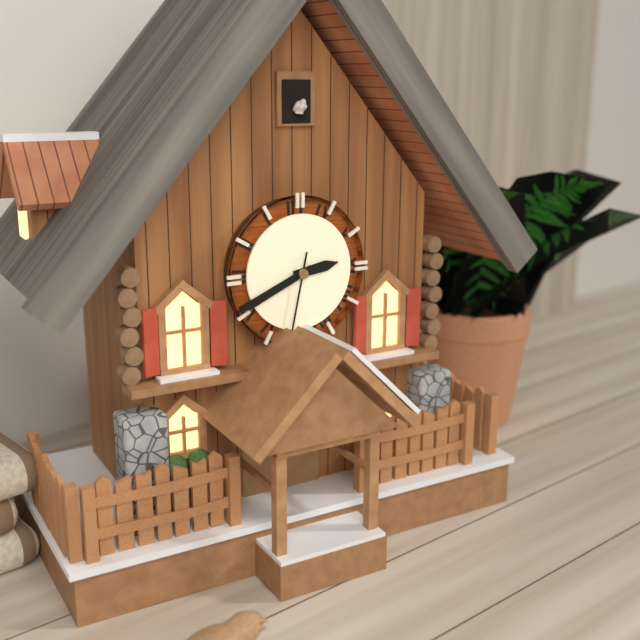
2:41
